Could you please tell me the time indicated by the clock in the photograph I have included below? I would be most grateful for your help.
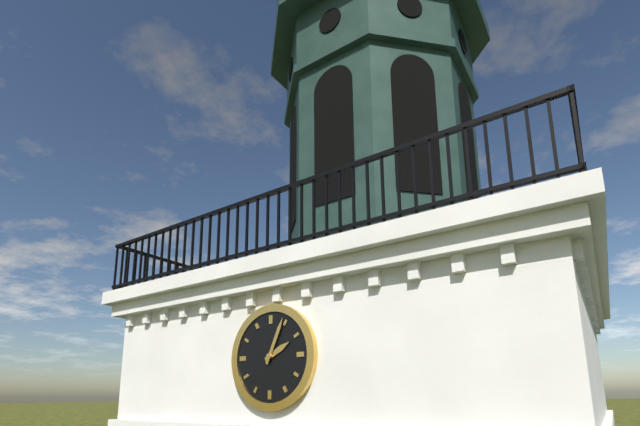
2:04
